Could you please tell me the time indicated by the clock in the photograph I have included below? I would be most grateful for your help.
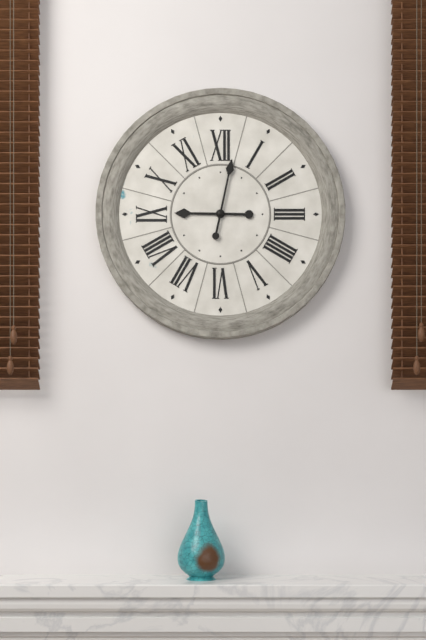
9:02
